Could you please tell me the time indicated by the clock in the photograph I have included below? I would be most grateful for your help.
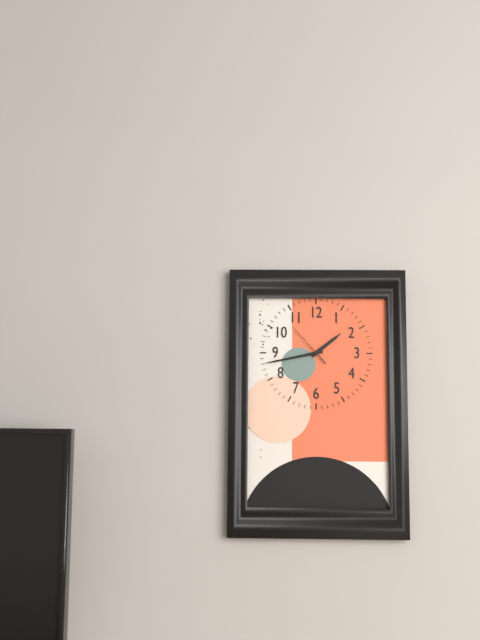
1:43
